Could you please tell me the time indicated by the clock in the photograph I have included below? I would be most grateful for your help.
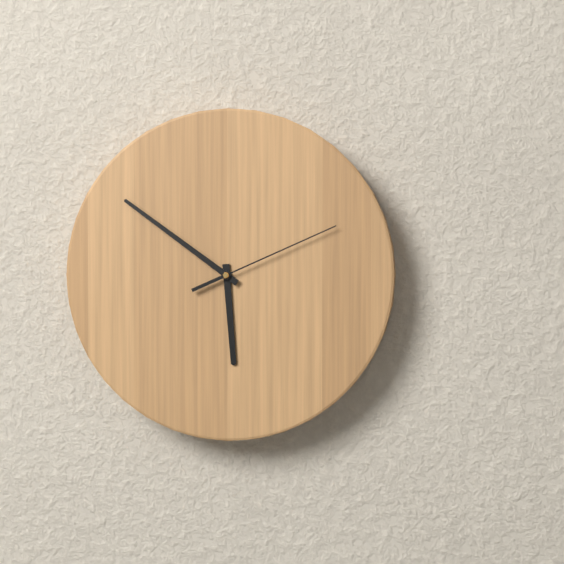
5:51:11
